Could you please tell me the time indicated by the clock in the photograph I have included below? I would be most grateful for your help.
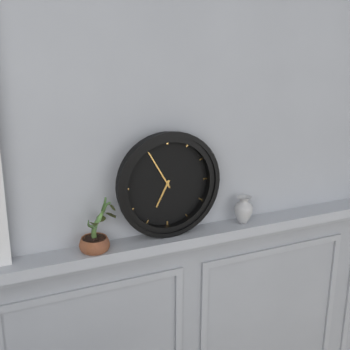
6:55
